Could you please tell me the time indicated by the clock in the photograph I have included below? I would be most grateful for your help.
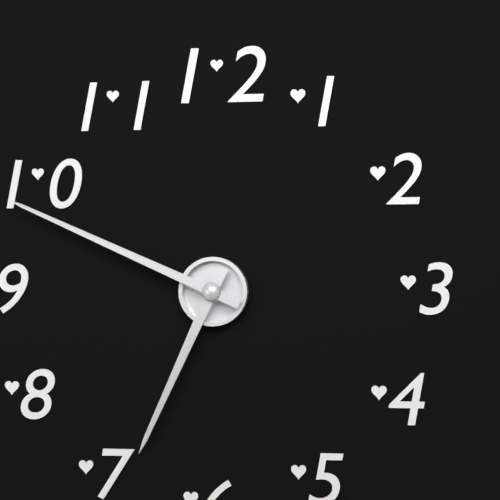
6:49
